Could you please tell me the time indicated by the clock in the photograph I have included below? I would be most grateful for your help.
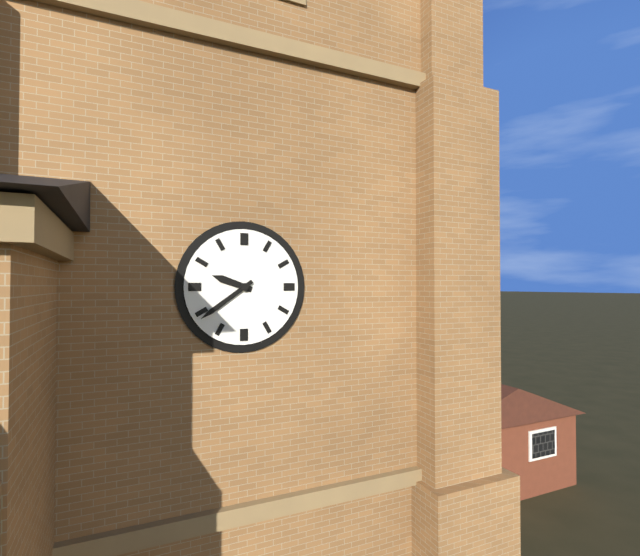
9:39
